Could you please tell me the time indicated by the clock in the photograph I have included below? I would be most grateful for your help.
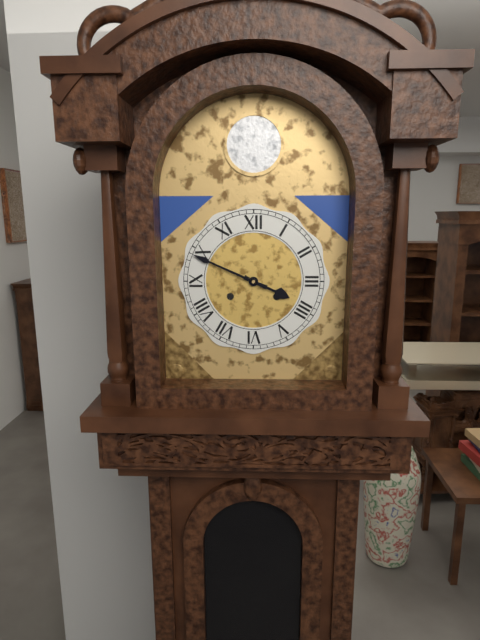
3:49
